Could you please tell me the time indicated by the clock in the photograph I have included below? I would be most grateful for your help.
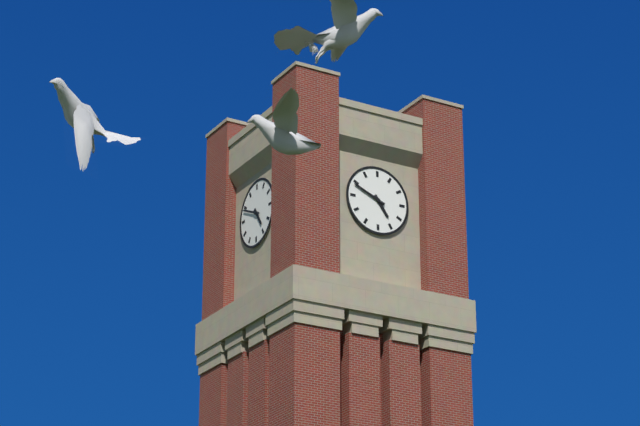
4:49
